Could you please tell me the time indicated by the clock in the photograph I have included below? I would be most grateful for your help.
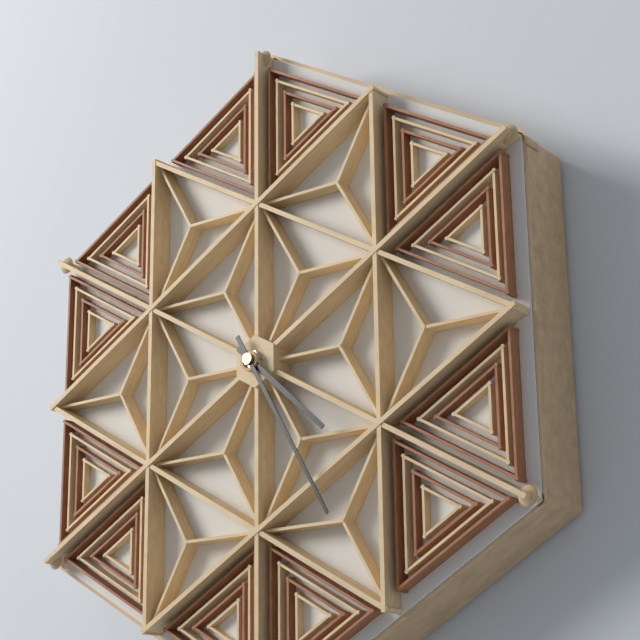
4:25
